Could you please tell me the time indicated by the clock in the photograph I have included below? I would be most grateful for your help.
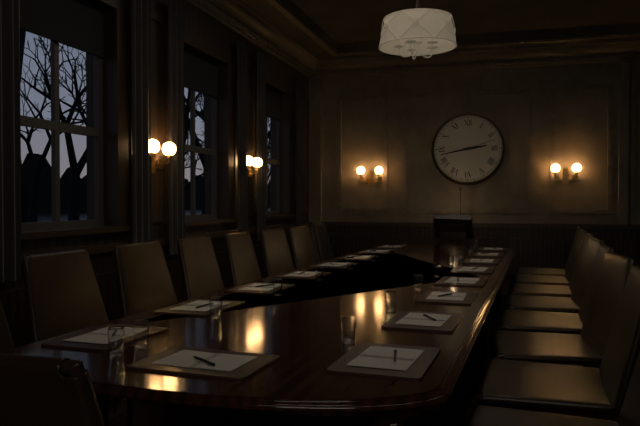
2:43
